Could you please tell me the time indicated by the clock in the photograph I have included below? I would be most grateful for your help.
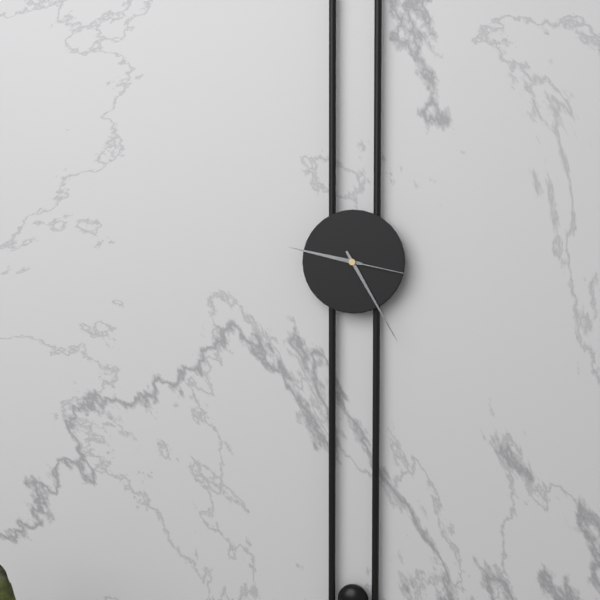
9:25:17
